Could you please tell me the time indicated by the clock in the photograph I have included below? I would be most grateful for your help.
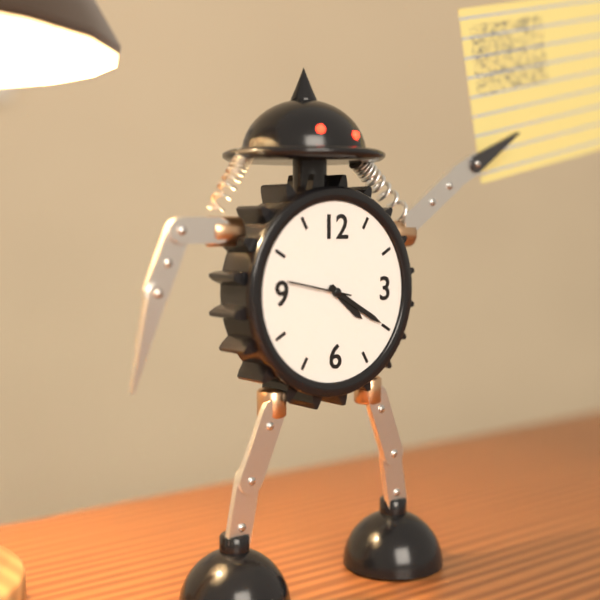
4:20
